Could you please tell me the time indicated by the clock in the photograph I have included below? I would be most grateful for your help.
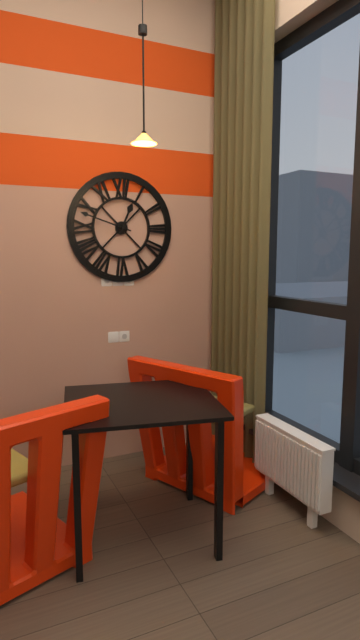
12:48
